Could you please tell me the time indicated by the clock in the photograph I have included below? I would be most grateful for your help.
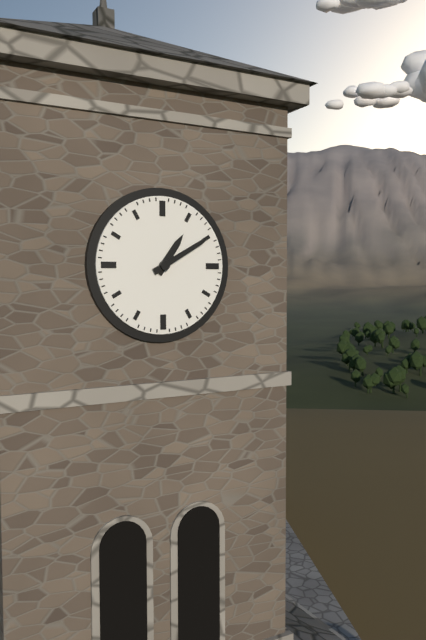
1:10
